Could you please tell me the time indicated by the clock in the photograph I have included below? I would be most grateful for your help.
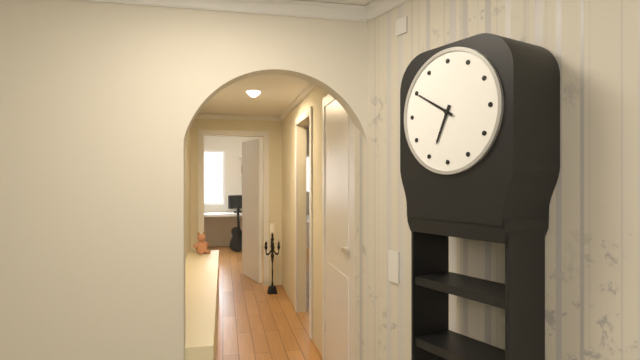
6:50
